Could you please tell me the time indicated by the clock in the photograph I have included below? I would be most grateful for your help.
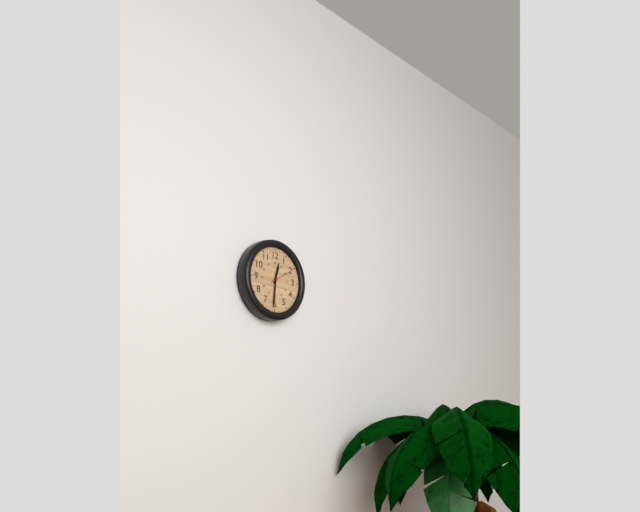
12:31
